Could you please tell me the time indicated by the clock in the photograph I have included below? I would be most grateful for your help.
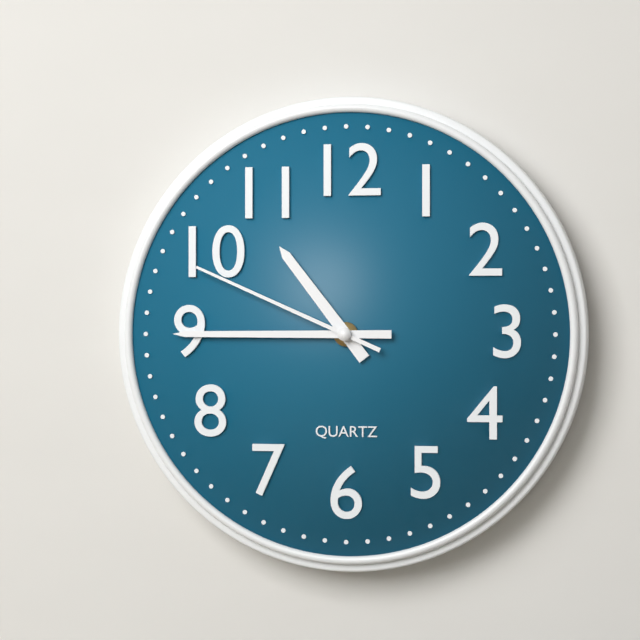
10:45:49
